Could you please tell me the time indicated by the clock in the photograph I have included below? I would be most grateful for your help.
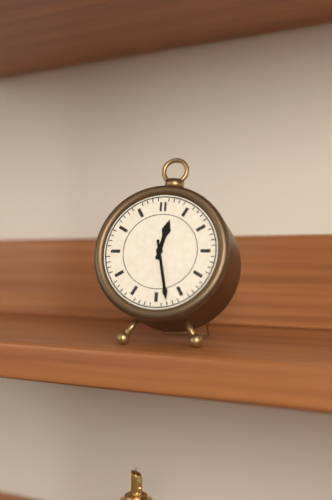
12:28
